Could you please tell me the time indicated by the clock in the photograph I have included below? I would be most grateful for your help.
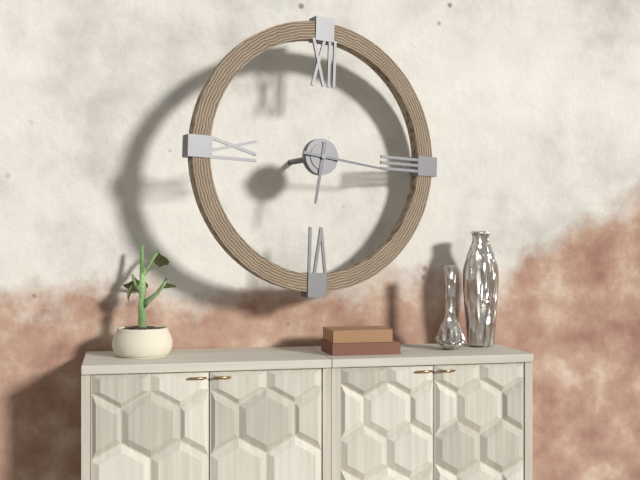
6:16
